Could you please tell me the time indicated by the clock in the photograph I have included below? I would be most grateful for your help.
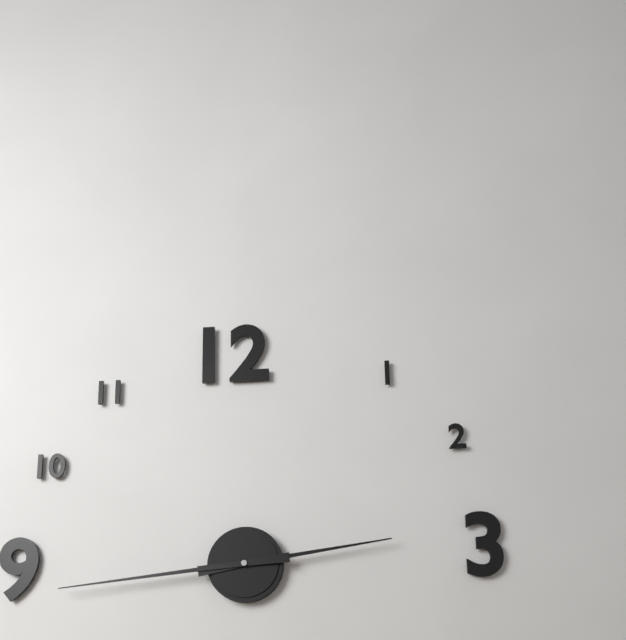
2:44
